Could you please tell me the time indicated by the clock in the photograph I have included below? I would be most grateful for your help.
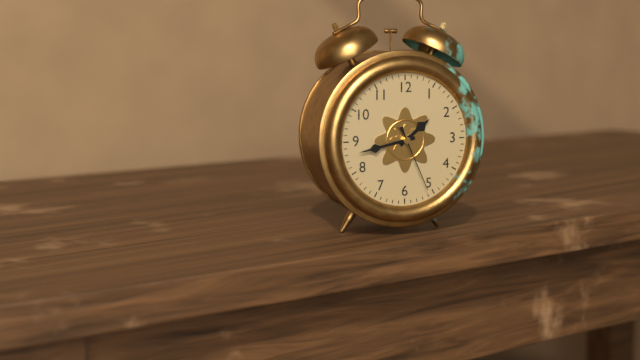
1:43:26
